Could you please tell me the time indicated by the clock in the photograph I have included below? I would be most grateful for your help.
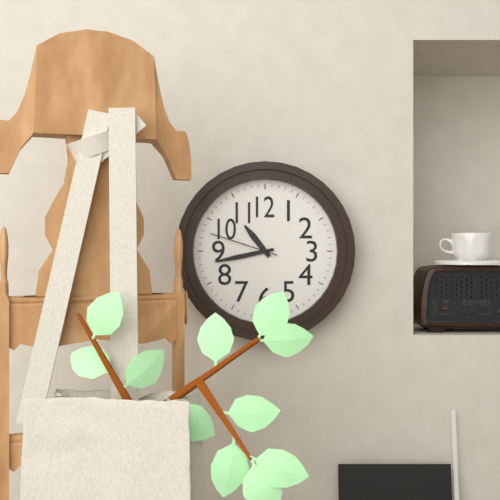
10:43:48
